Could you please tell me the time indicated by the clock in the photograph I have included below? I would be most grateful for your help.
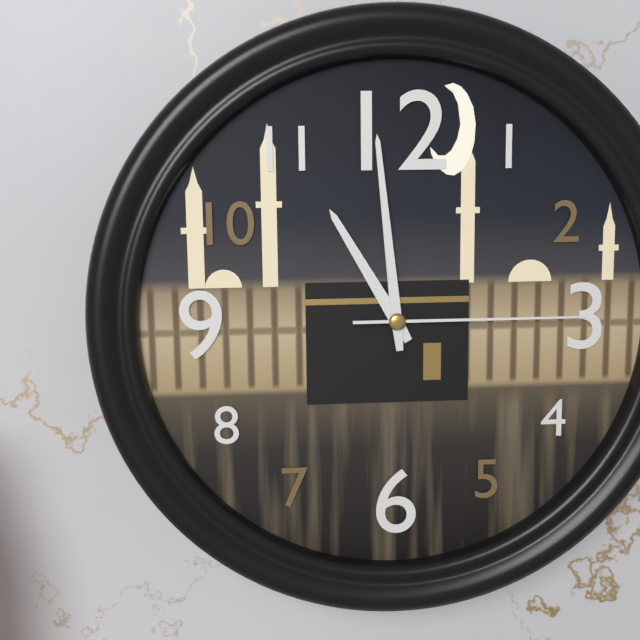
10:59:15
